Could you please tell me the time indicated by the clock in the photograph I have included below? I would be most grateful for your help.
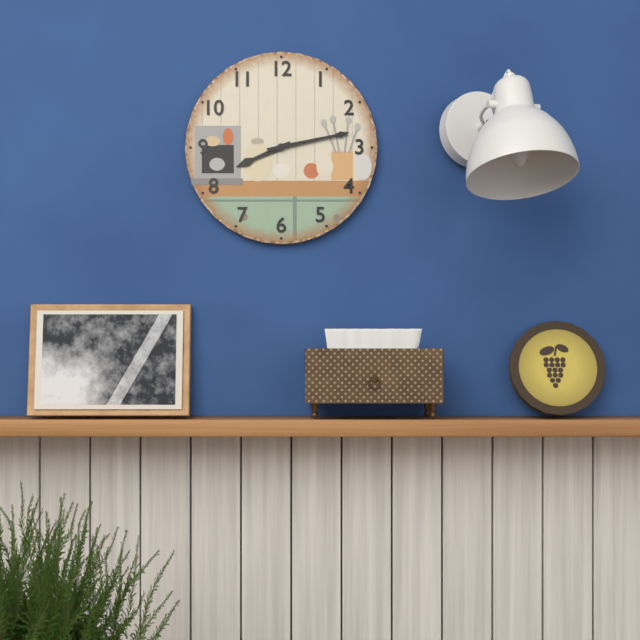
8:13
